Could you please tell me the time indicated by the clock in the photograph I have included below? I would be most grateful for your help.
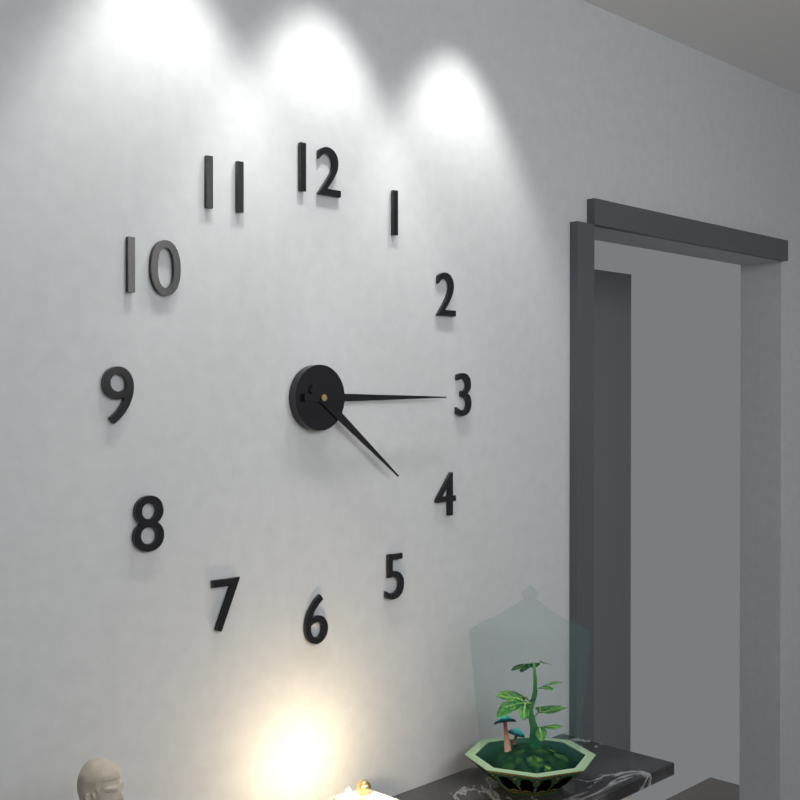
4:15
